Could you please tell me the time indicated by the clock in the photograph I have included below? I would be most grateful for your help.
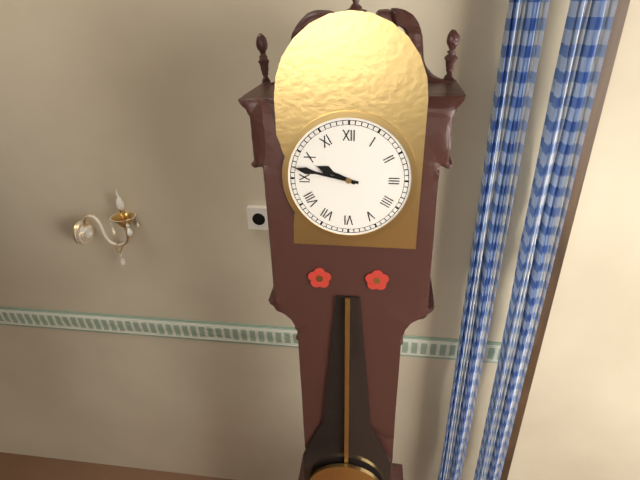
9:47
